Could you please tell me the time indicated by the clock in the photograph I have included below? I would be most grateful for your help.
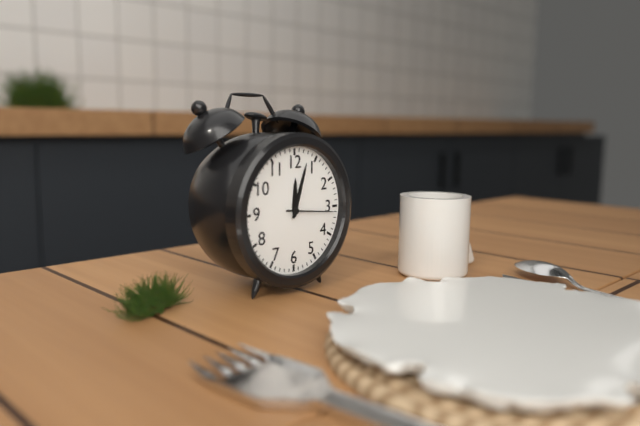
12:03:16
